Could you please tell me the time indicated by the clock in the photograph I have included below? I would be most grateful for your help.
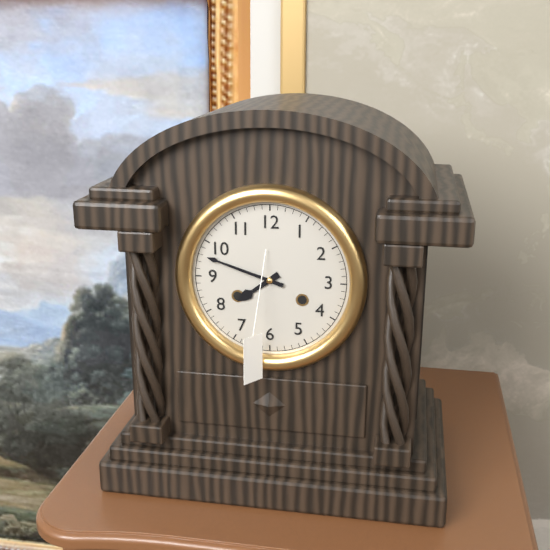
7:48
